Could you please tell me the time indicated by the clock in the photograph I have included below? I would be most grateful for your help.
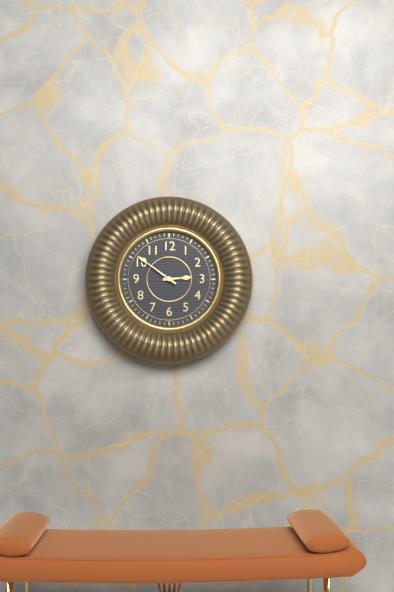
2:51
